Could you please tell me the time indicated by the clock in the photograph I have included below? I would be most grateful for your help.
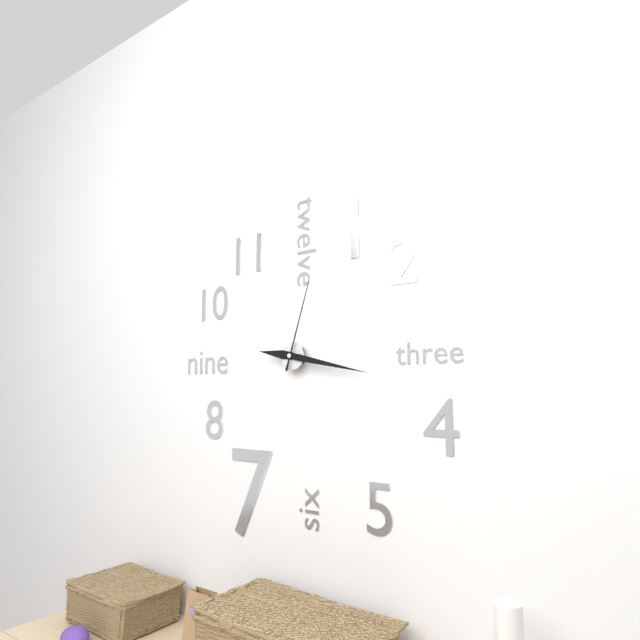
9:17:03
